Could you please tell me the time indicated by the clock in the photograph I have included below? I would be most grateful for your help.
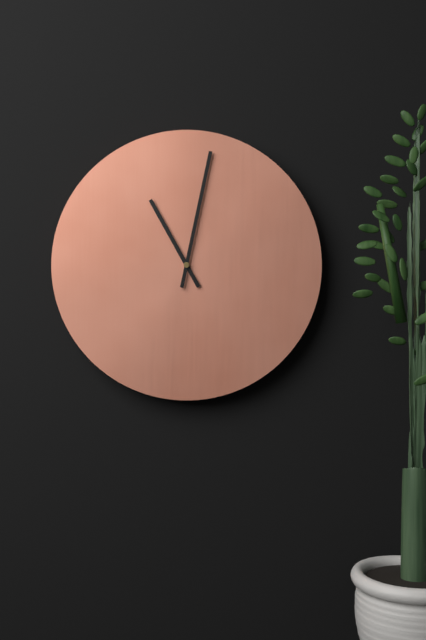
11:02
